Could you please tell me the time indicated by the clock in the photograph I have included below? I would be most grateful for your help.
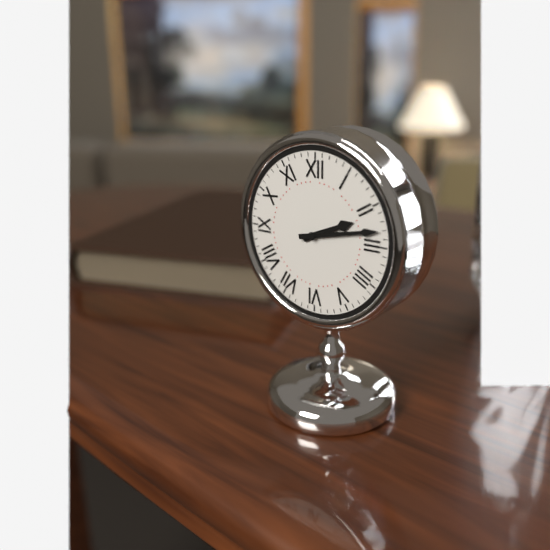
2:13
